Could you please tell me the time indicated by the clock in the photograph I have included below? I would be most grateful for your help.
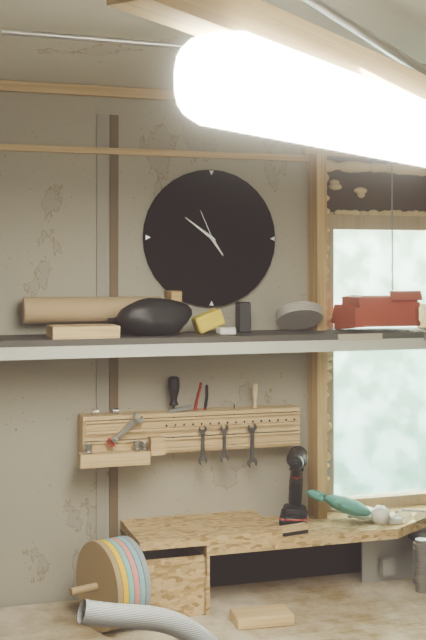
4:51
